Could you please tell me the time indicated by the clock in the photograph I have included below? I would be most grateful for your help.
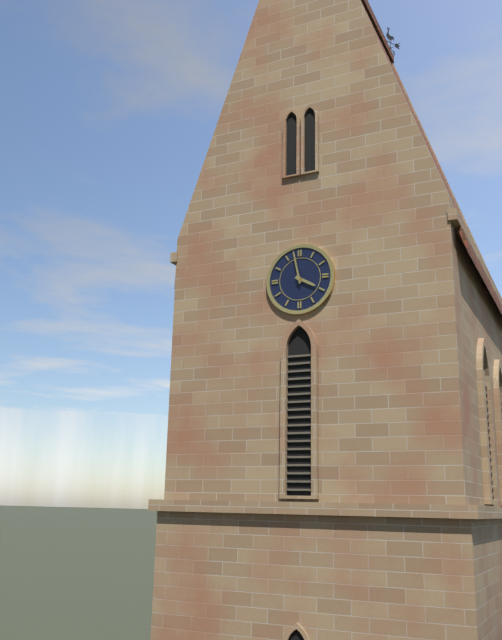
3:58
